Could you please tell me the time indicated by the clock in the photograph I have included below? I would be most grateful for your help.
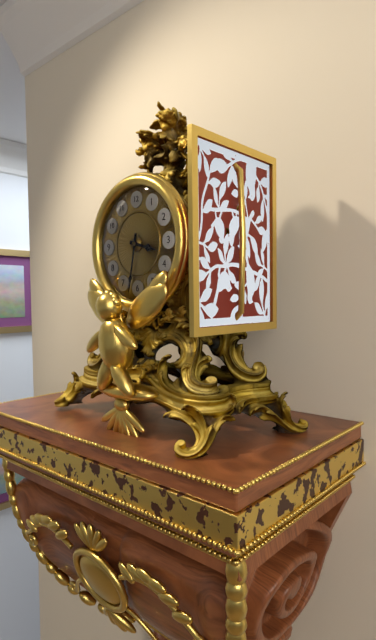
3:32
